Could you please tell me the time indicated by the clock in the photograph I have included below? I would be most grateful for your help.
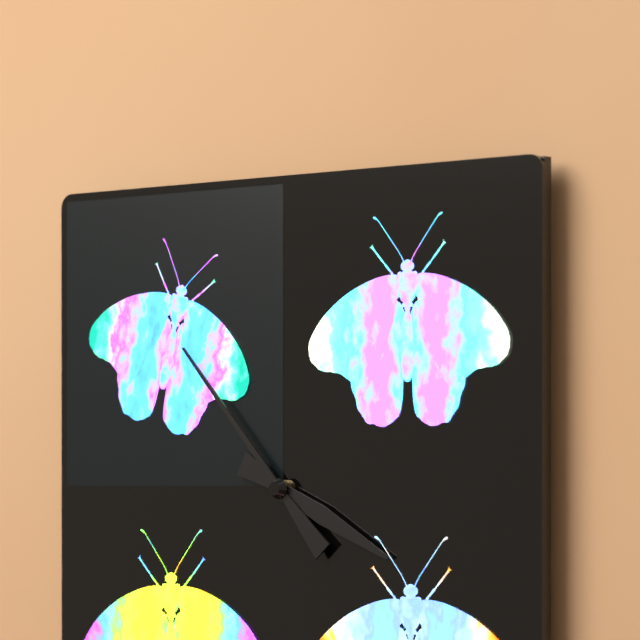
3:53
